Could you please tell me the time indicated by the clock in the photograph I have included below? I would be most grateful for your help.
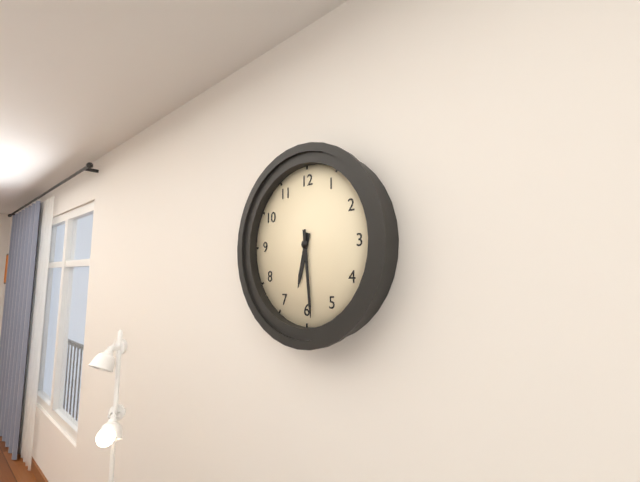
6:29
